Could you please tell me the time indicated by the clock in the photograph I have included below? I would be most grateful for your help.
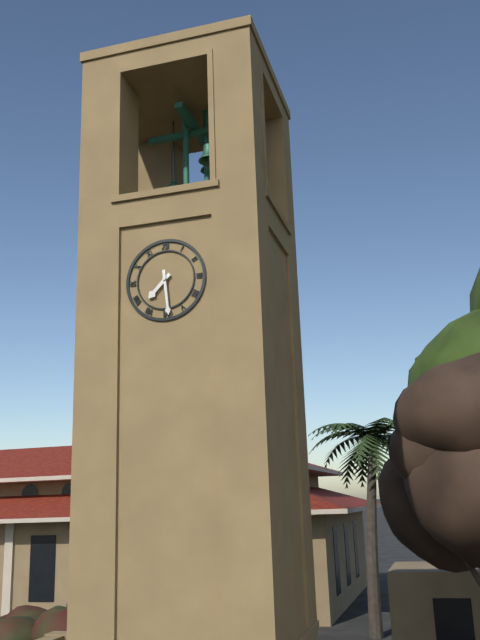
7:29
